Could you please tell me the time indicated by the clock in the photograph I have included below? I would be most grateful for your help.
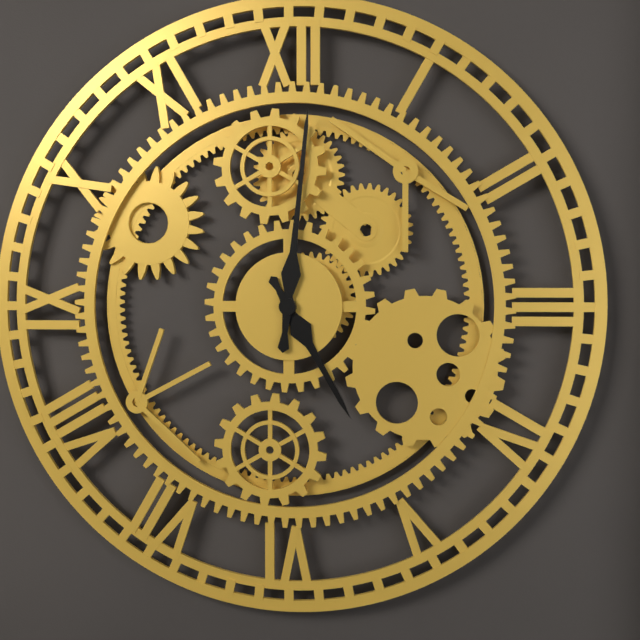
5:01
